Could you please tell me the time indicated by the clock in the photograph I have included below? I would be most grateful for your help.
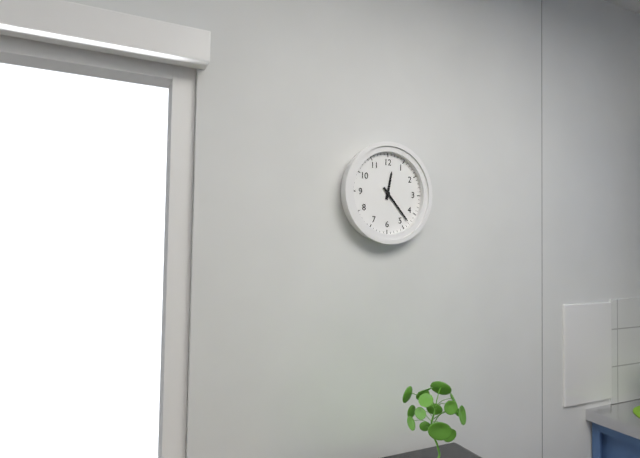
12:23
